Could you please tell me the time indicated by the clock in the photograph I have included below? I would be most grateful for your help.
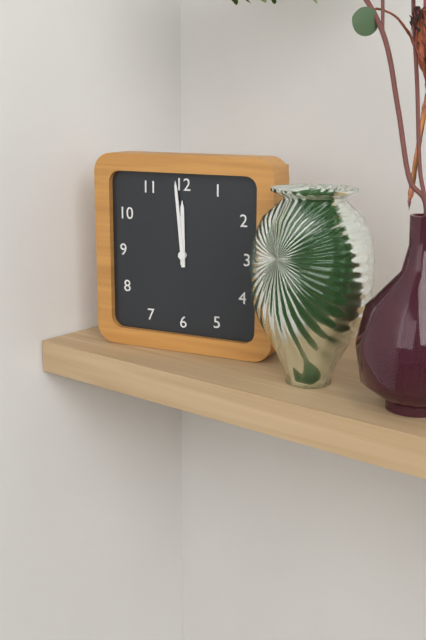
11:59
